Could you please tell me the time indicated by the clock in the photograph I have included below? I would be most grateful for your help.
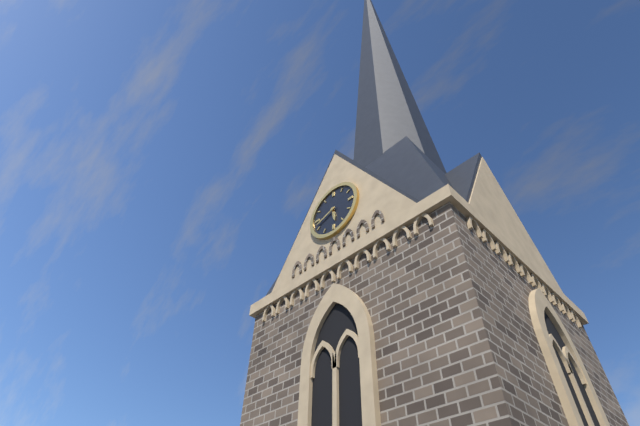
5:42
